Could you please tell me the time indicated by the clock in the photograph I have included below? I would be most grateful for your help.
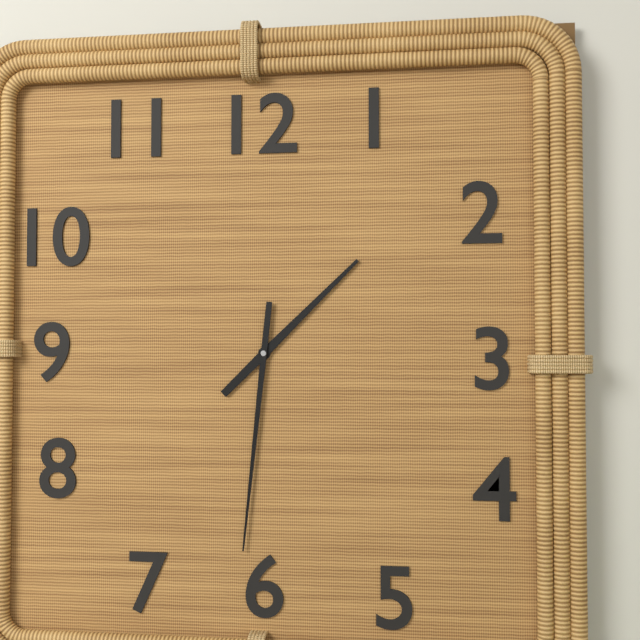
1:31
